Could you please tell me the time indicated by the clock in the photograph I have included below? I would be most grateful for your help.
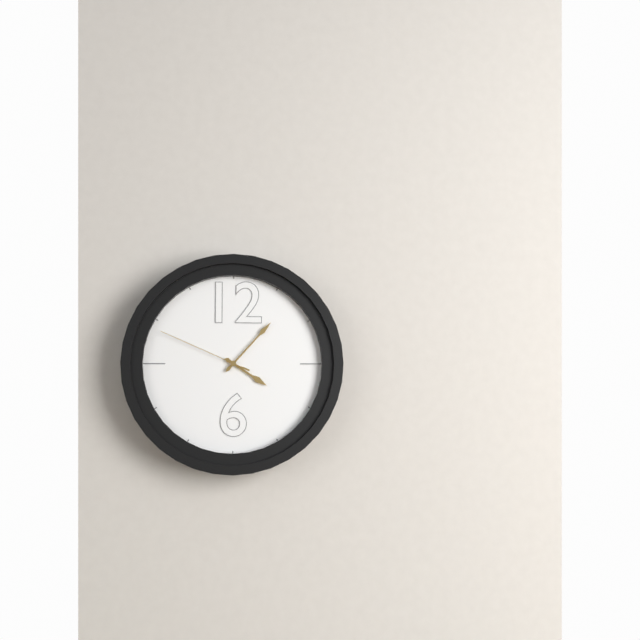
4:07:49
